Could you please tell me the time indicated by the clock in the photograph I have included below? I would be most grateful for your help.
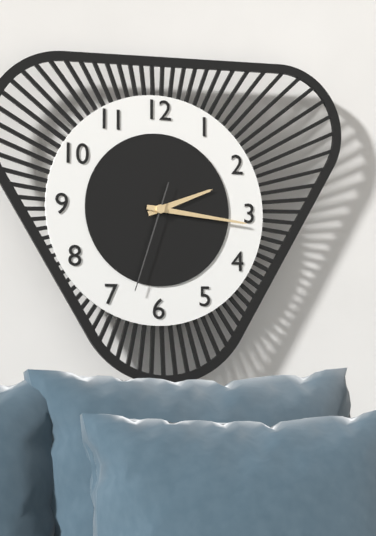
2:16:33
